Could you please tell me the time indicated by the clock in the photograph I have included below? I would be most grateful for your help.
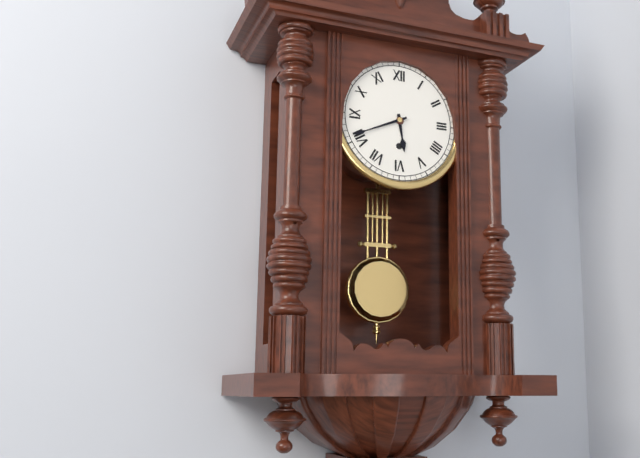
5:41
